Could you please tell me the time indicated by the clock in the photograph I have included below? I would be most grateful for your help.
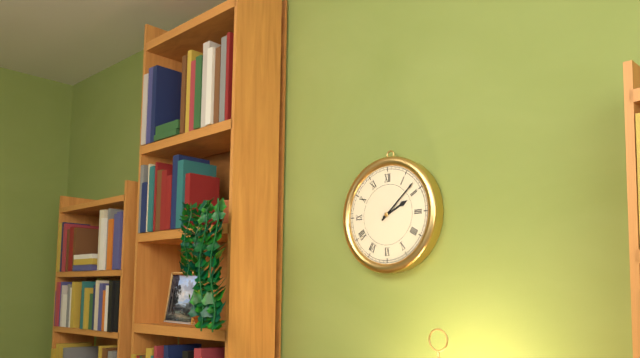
2:08
